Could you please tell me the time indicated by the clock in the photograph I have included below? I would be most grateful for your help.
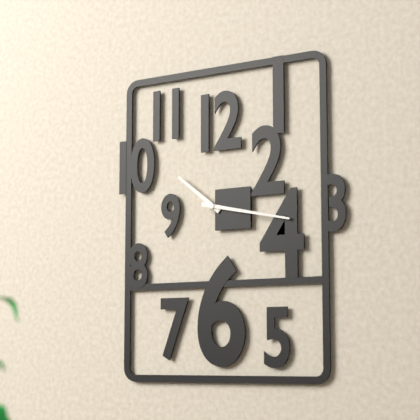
10:17
